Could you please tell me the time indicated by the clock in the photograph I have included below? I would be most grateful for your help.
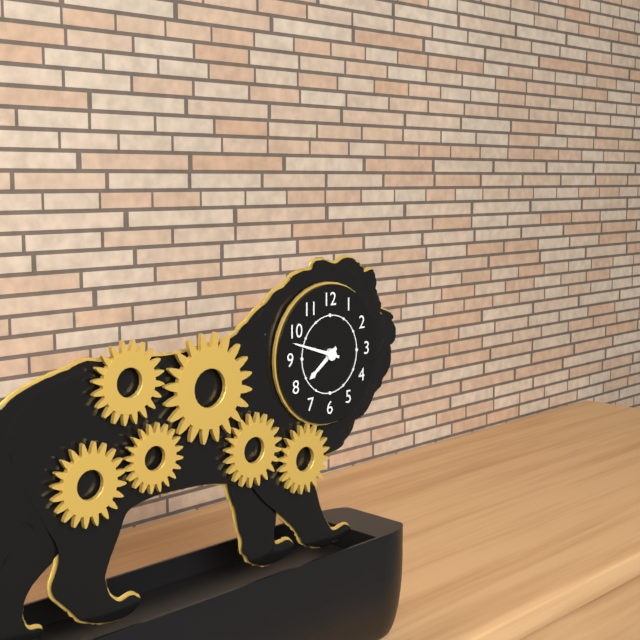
7:48
